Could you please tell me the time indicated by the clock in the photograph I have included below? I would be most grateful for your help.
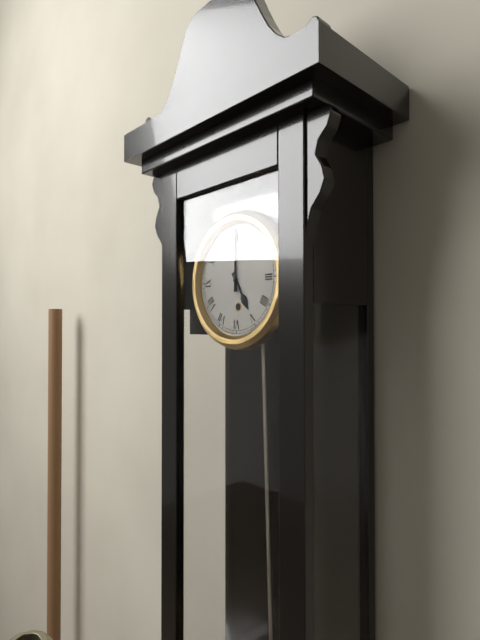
5:00
